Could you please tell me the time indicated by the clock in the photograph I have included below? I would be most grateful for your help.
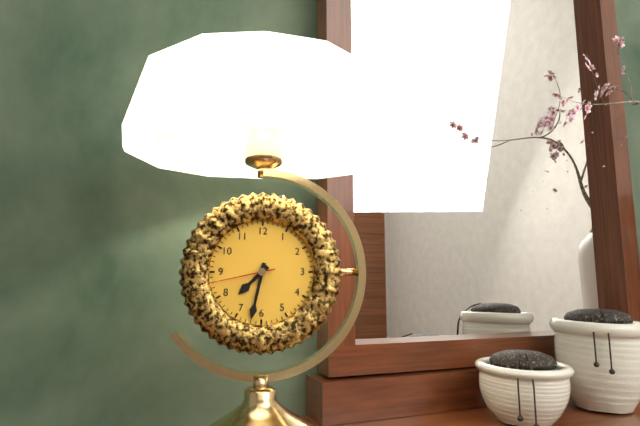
7:32:43
